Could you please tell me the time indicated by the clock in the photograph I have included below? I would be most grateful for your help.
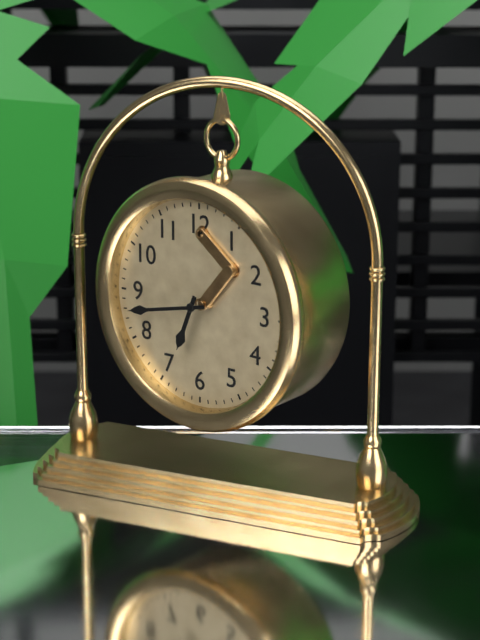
6:43
